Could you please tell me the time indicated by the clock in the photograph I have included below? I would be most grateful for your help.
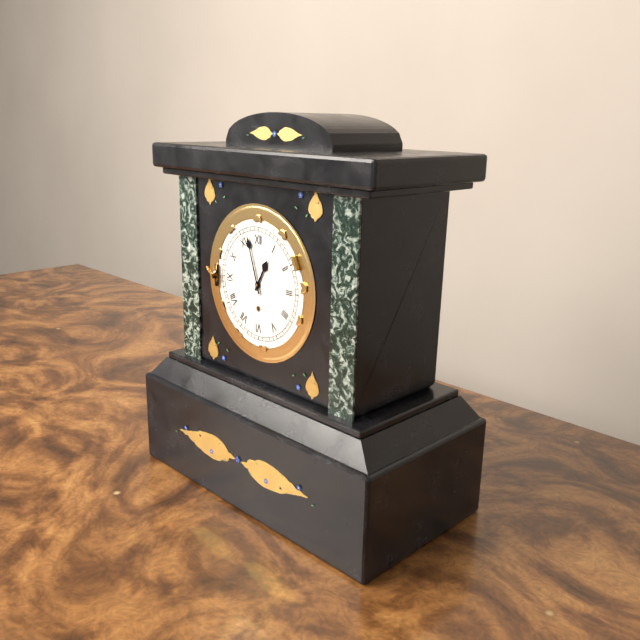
12:57
